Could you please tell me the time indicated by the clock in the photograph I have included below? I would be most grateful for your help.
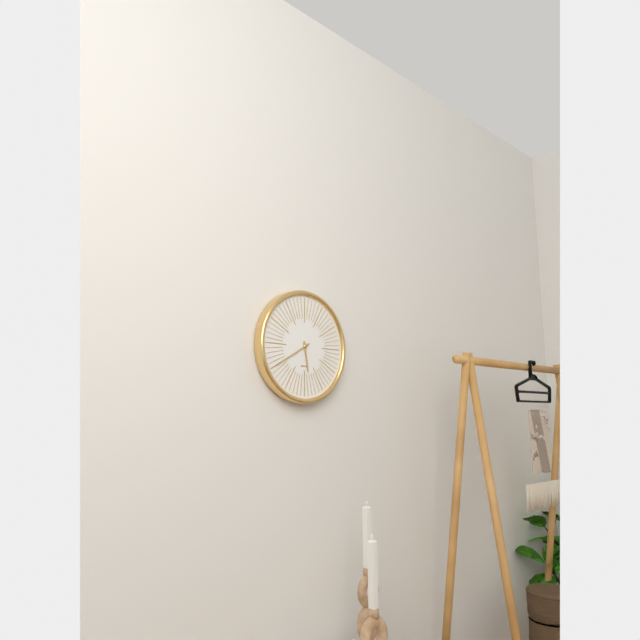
5:40
